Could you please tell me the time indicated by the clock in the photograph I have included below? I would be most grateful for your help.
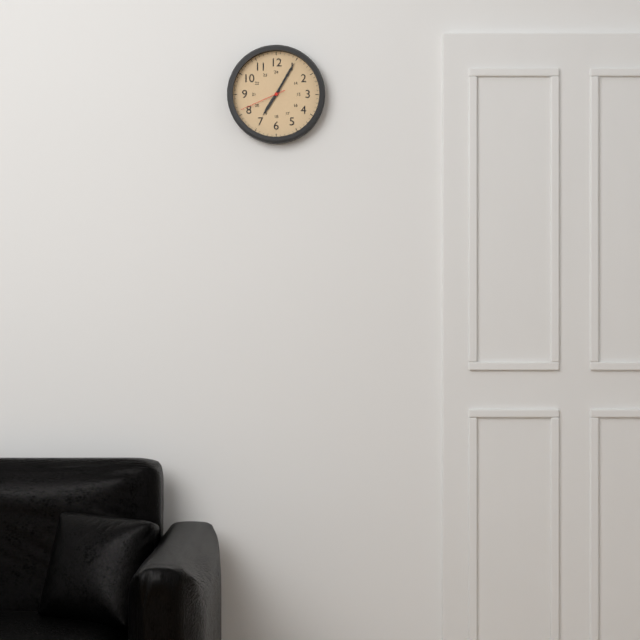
7:05
